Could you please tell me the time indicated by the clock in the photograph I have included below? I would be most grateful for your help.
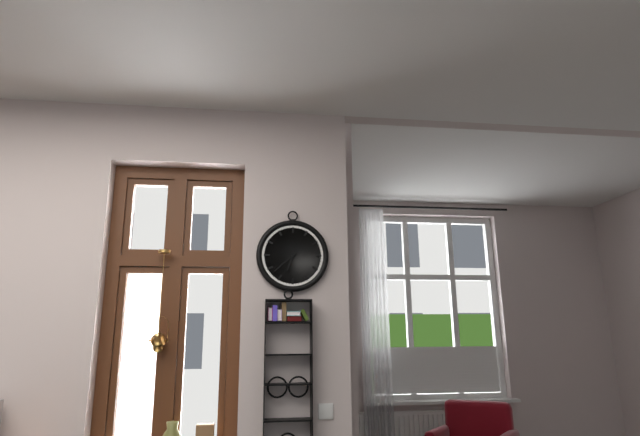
6:38
